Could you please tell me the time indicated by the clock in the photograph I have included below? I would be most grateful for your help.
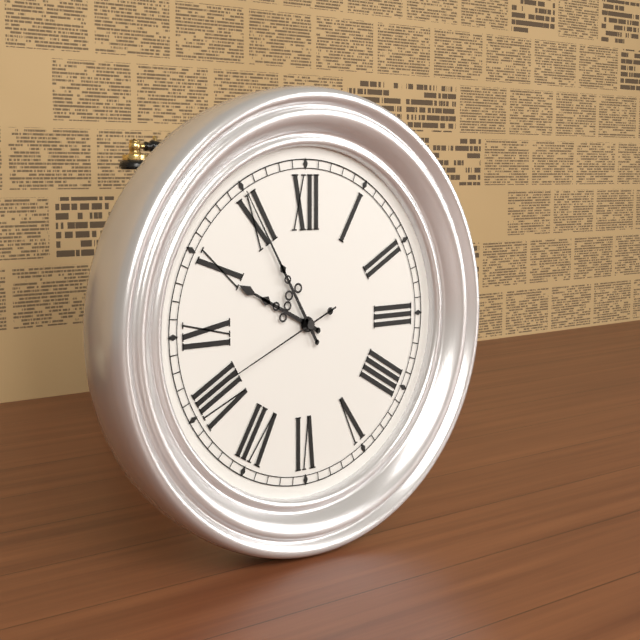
9:55:41
